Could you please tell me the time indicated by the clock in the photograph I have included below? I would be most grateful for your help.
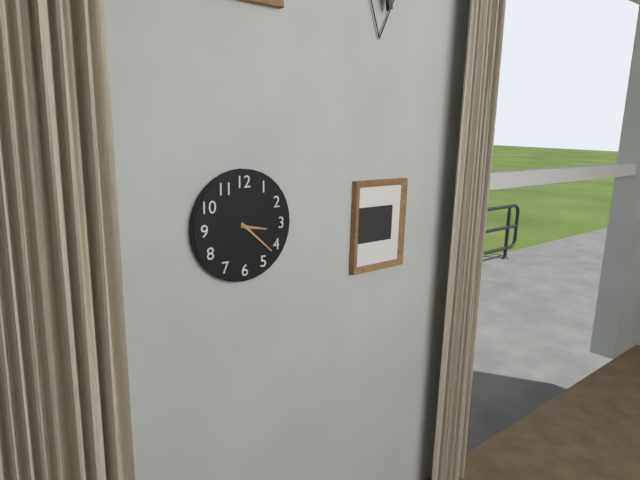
3:22
